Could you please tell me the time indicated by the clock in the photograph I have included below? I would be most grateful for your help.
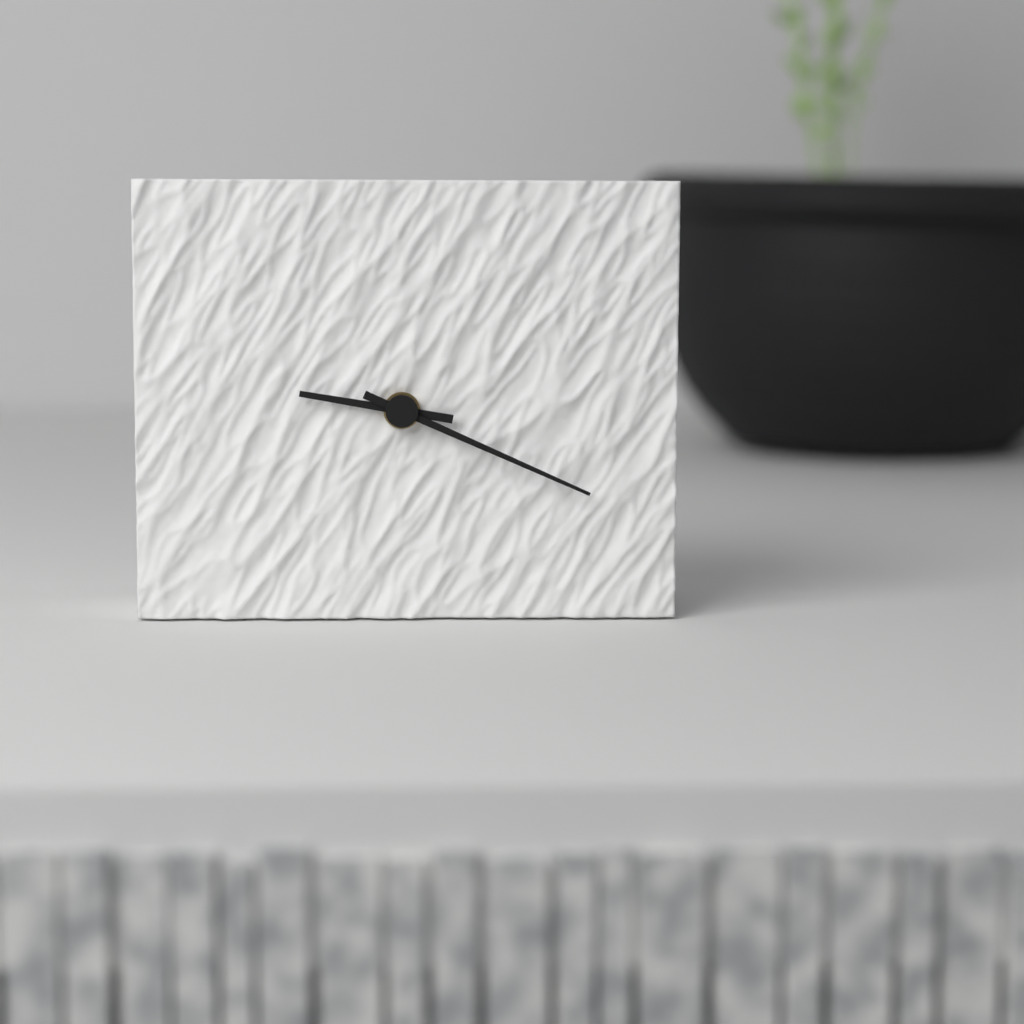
9:19
